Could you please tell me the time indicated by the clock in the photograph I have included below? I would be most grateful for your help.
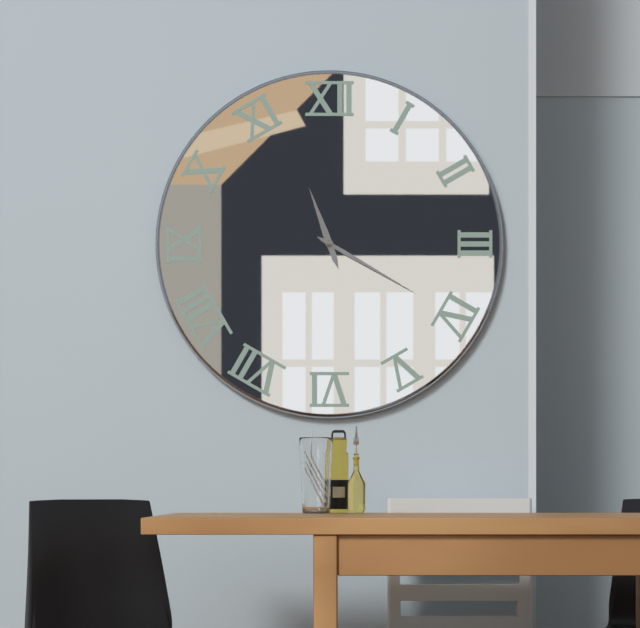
11:20
